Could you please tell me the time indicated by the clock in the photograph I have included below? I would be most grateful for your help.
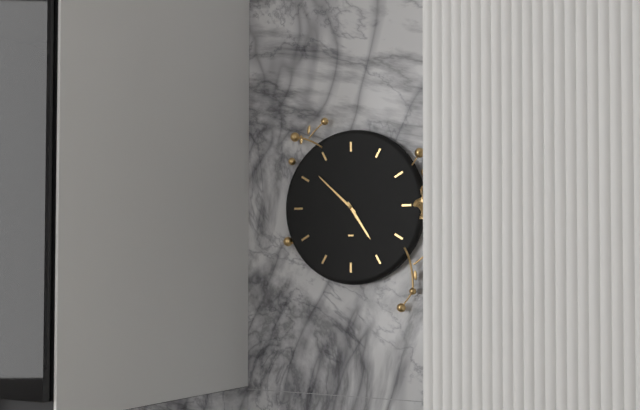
4:52
